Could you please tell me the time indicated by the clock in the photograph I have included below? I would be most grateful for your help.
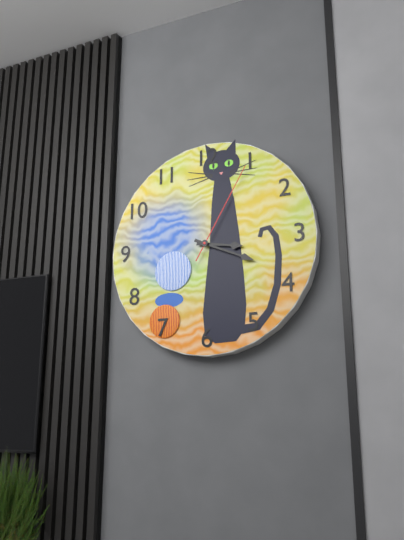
3:19:05
